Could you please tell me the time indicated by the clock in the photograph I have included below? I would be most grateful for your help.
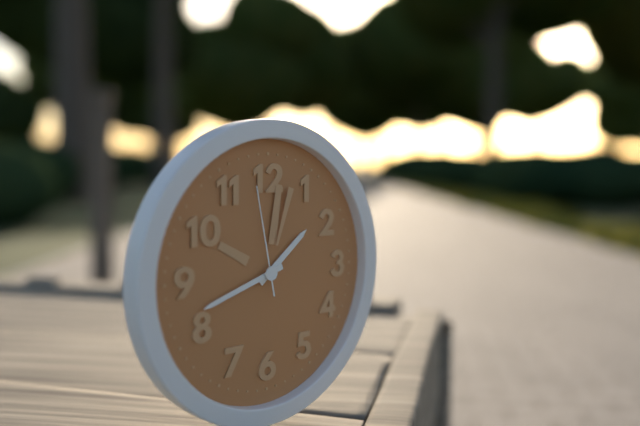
1:42:58
